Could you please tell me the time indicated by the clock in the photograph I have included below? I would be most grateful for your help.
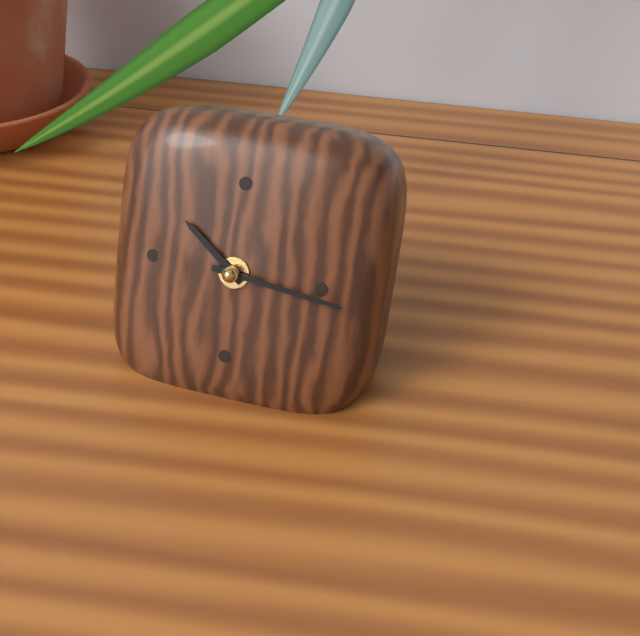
10:16
